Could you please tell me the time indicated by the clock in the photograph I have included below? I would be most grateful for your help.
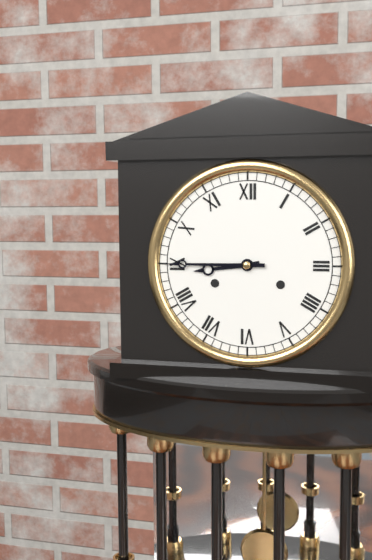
8:45
